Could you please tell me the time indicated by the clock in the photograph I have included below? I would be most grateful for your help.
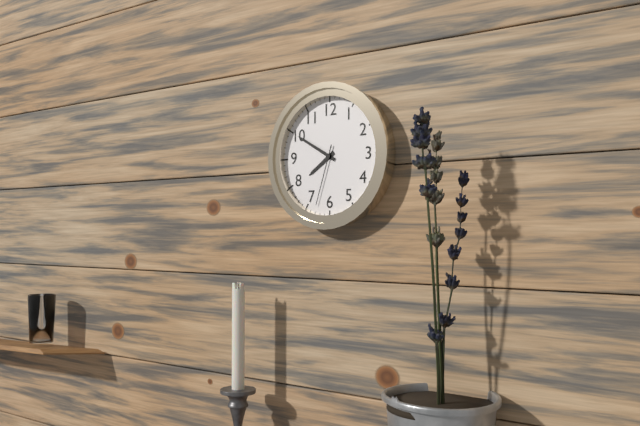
7:50:33
